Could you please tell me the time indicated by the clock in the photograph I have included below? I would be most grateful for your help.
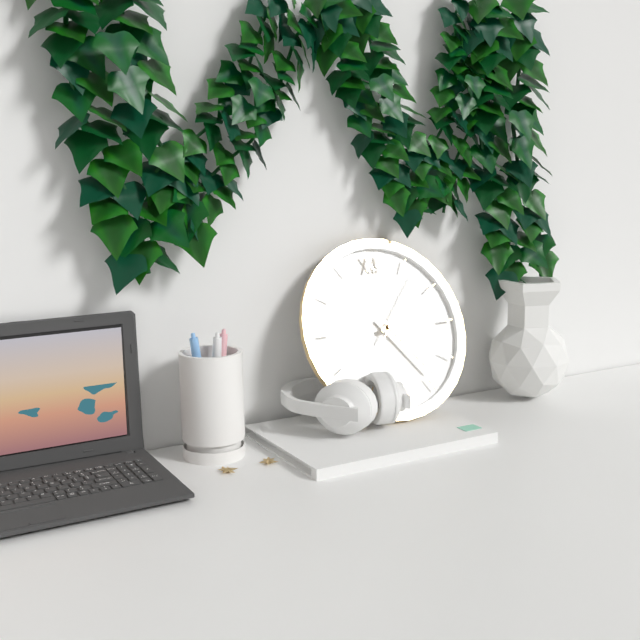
2:24:07
